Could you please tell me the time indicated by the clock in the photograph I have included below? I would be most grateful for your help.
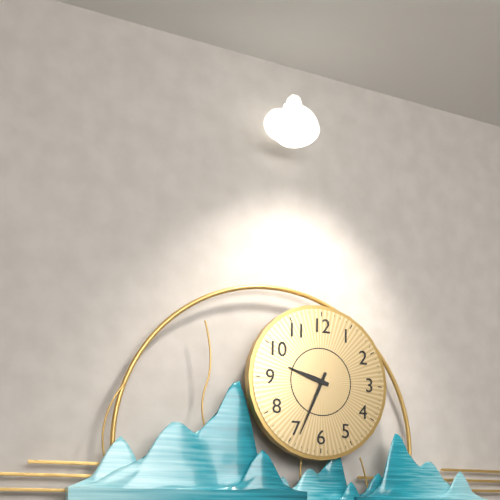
9:34
